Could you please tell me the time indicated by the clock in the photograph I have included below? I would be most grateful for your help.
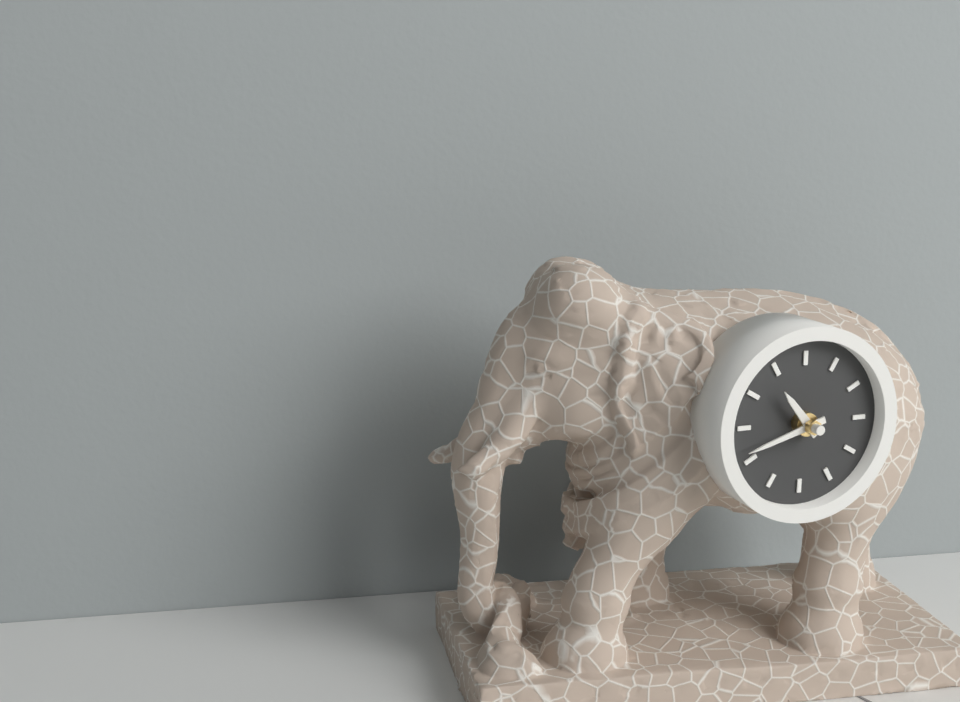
10:42
